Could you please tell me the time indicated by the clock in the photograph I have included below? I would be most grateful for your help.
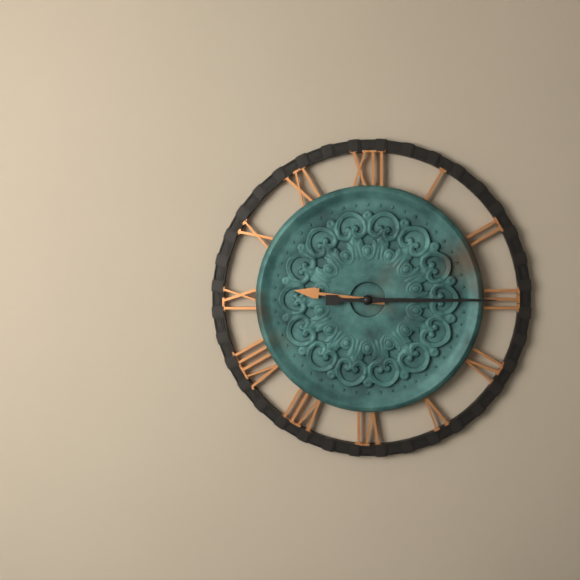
9:15
